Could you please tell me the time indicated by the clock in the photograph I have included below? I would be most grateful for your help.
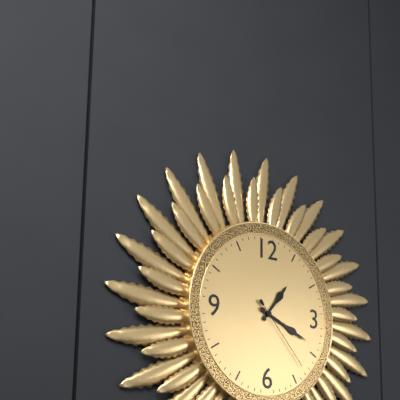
1:19:23
